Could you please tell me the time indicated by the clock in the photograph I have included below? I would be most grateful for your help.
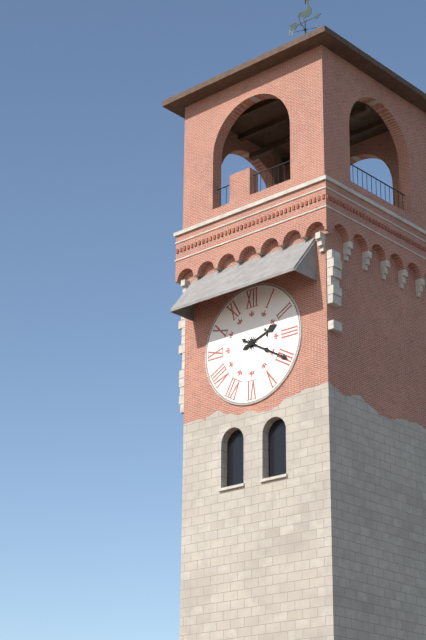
2:20
